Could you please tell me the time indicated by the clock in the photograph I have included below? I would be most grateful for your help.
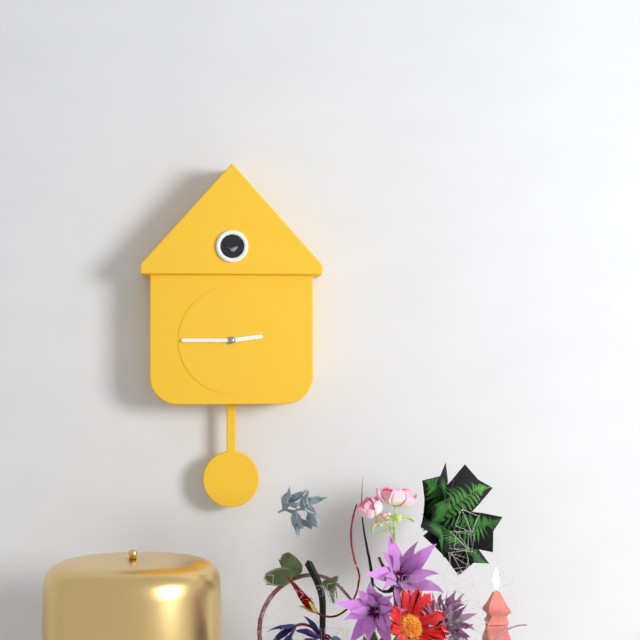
2:45
